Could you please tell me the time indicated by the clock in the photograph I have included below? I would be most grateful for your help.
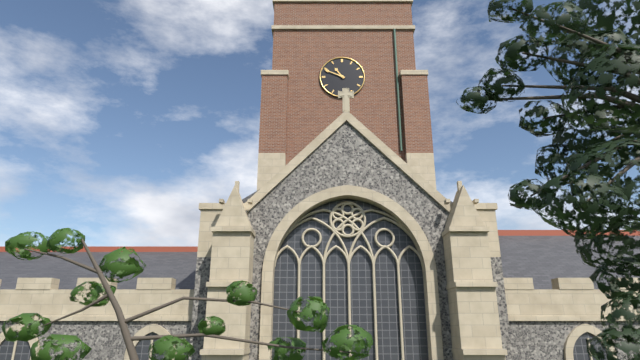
10:49
